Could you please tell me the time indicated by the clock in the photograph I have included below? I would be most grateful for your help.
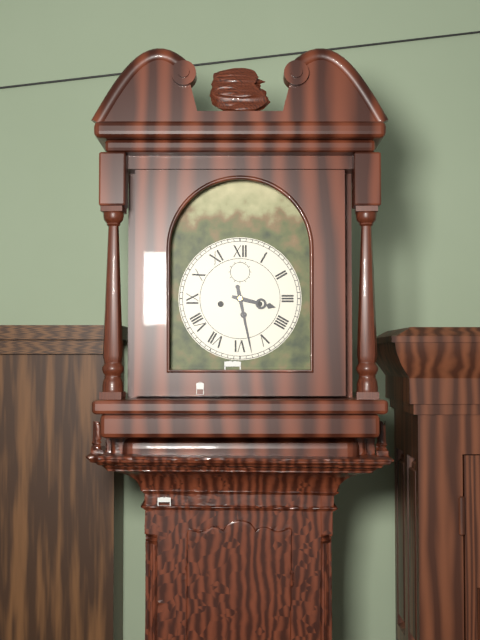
3:28
